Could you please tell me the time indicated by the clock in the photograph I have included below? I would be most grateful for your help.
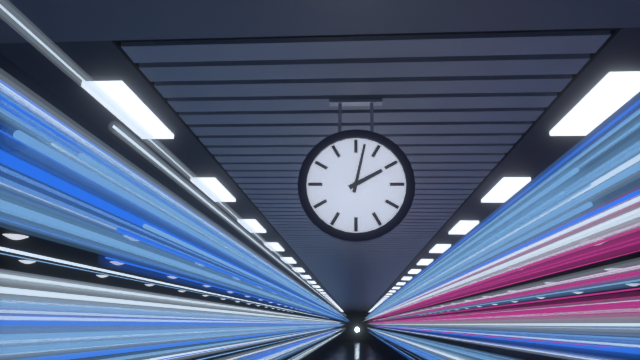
2:02
